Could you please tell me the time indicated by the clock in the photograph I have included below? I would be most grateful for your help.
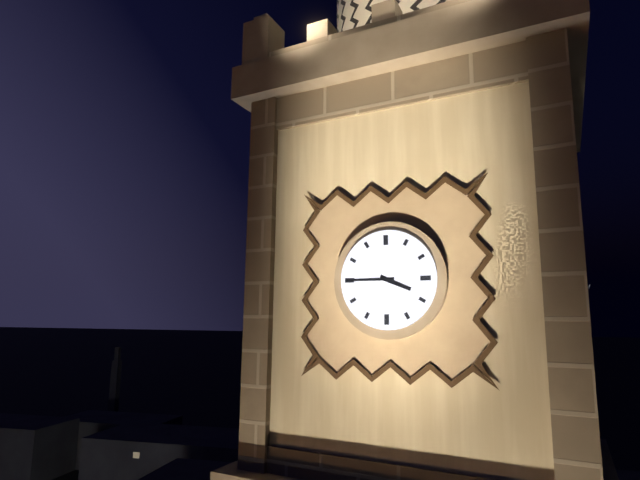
3:45
